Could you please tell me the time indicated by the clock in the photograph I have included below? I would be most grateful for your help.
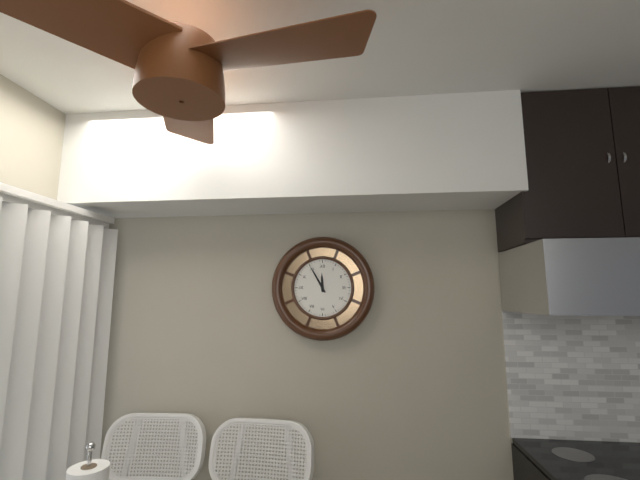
11:55
